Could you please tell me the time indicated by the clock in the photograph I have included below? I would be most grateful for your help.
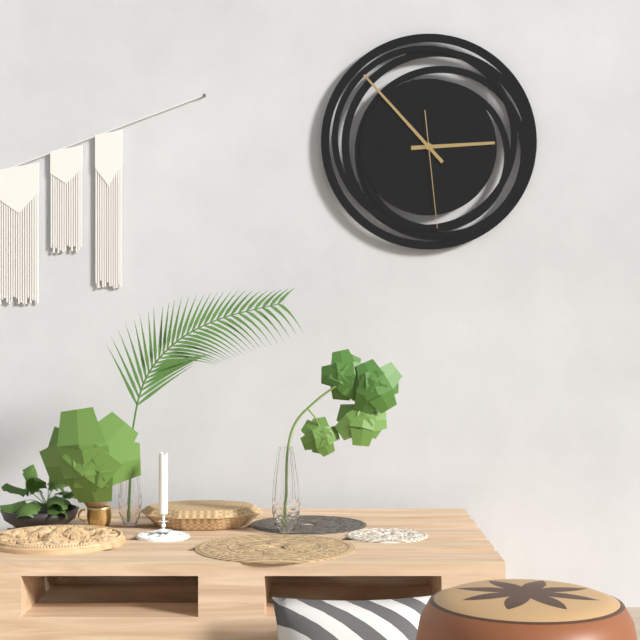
2:53:29
